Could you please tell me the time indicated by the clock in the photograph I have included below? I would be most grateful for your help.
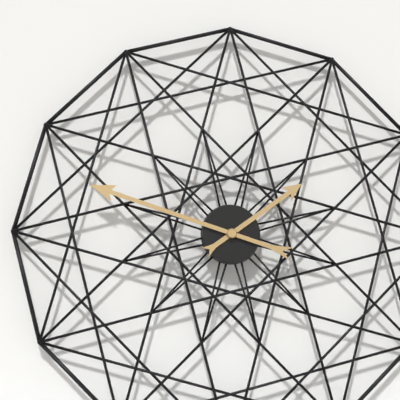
1:48
